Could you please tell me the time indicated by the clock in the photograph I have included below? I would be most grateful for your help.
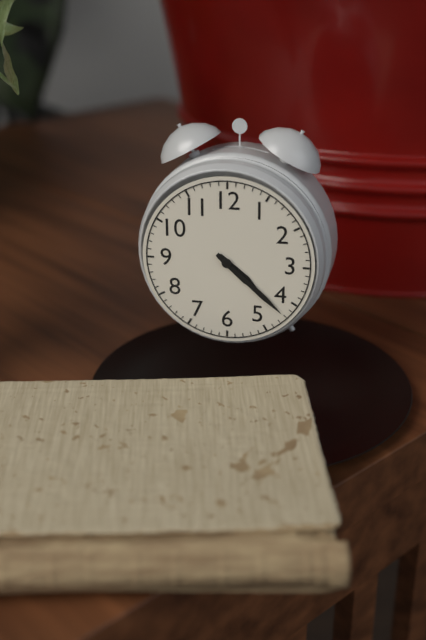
4:22
